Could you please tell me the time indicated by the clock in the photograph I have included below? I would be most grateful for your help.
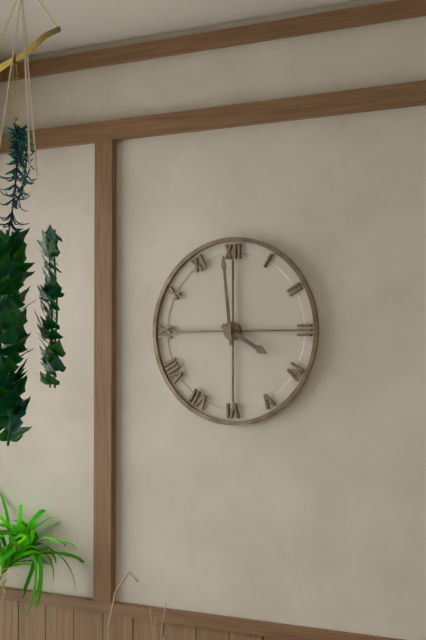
3:59
